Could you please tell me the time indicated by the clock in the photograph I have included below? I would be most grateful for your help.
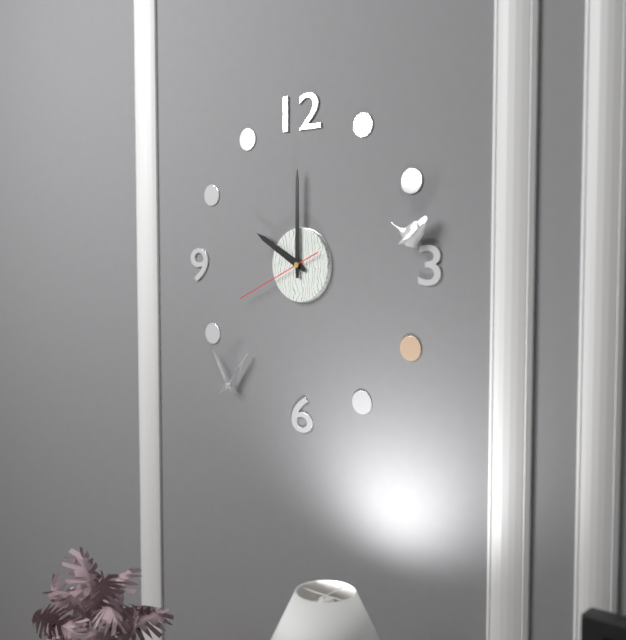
10:00:41
